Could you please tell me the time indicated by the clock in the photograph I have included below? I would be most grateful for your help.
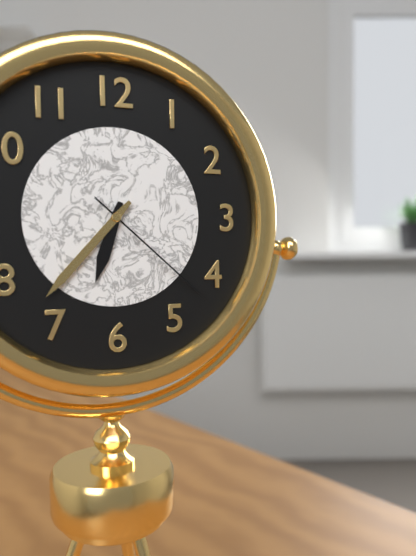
6:37:22
